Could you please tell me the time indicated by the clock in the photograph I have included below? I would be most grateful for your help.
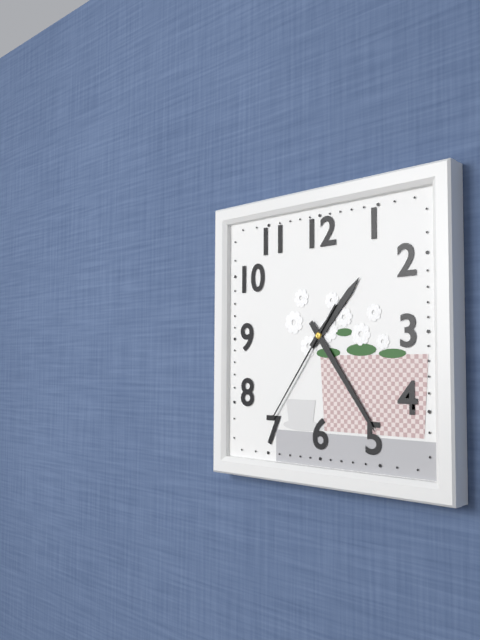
1:24:36
